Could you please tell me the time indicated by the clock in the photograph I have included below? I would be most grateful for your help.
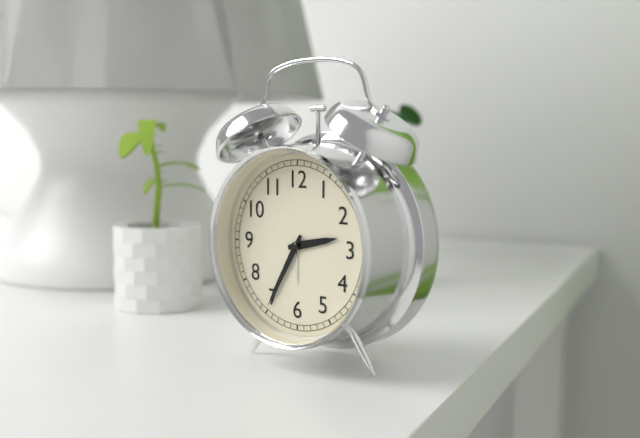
2:35
